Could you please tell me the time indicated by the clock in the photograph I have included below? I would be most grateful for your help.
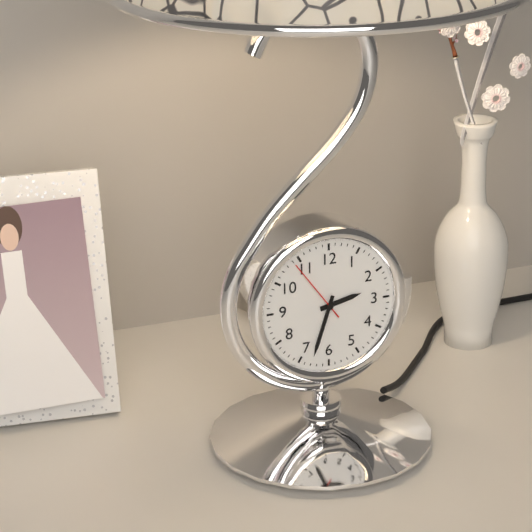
2:33:54
